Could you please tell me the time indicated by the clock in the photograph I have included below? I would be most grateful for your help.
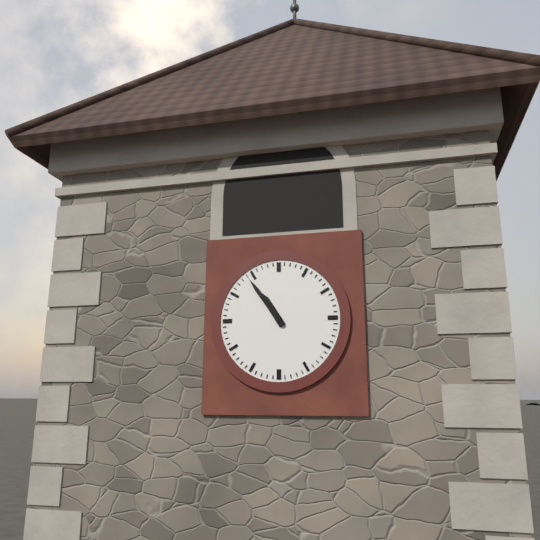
10:54
